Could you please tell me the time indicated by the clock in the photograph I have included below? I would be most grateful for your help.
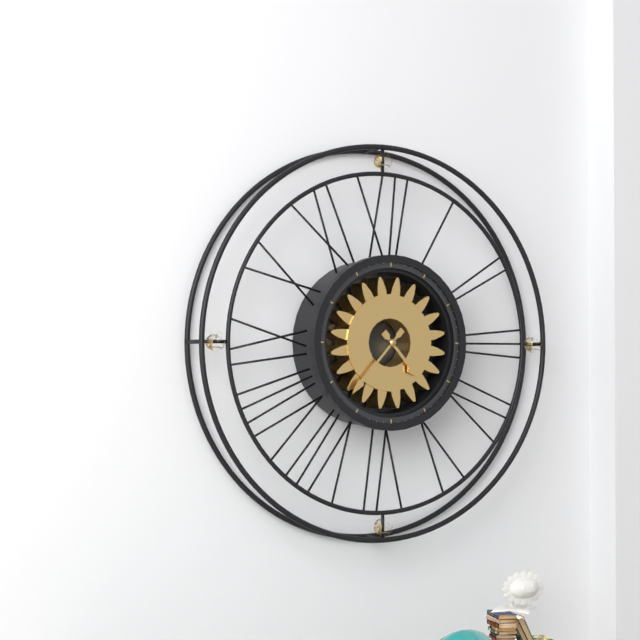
4:37
